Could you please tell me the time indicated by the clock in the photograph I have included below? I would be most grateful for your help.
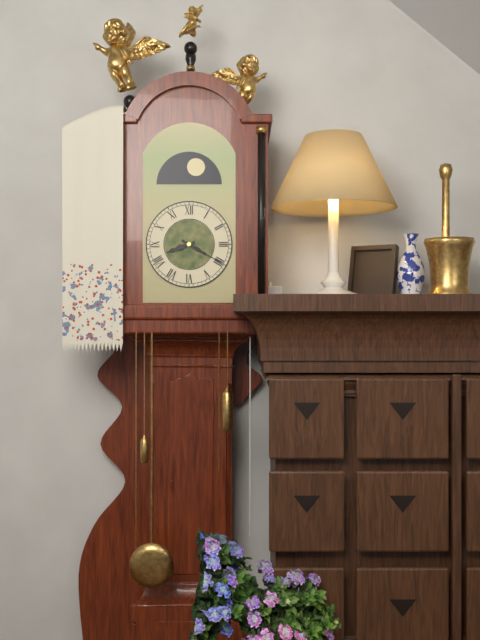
8:20
